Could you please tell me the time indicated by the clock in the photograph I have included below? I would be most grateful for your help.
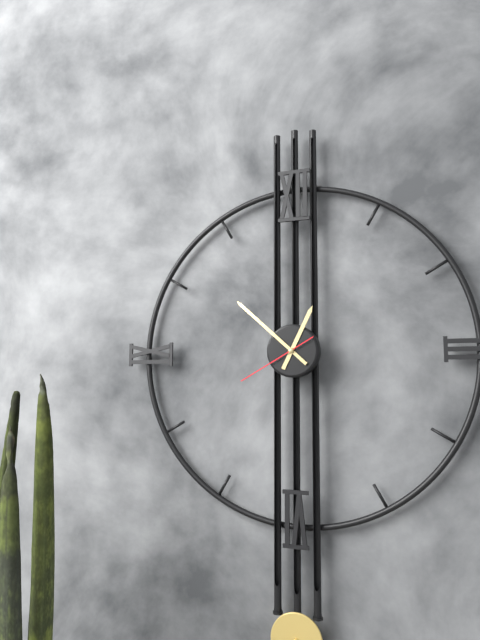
12:52:40
